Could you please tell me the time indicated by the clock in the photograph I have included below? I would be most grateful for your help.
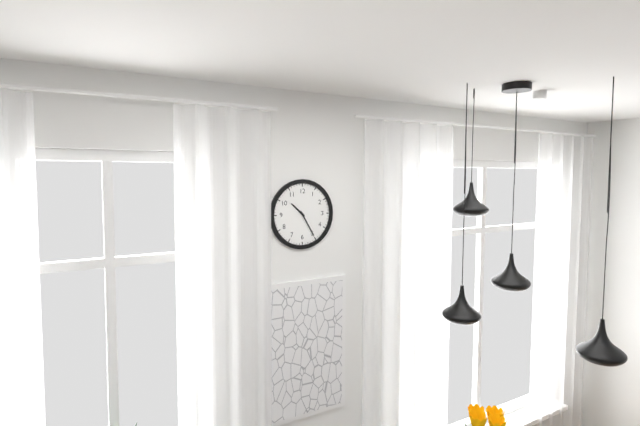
10:25
